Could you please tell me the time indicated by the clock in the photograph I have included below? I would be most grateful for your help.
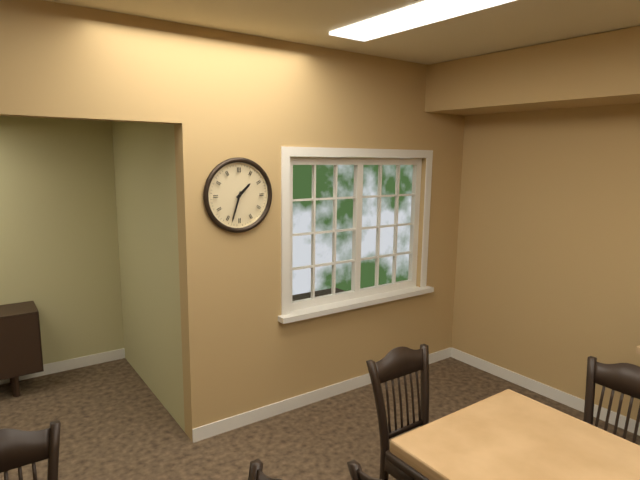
1:33
